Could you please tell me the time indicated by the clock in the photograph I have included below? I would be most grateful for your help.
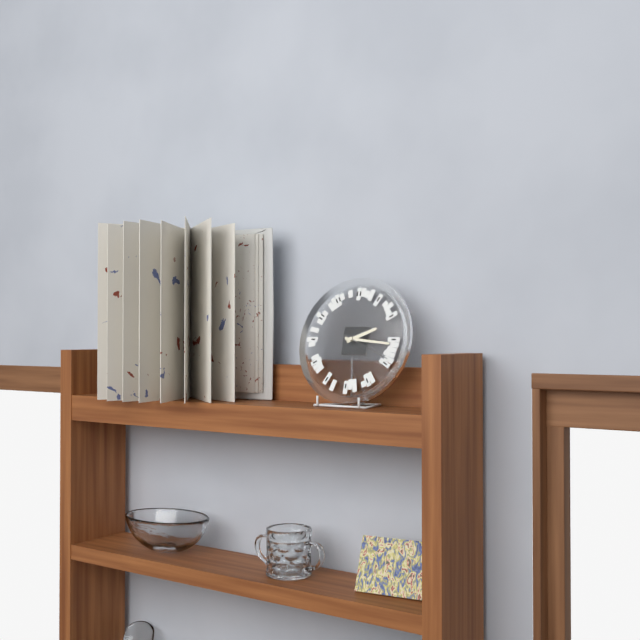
2:16:19
